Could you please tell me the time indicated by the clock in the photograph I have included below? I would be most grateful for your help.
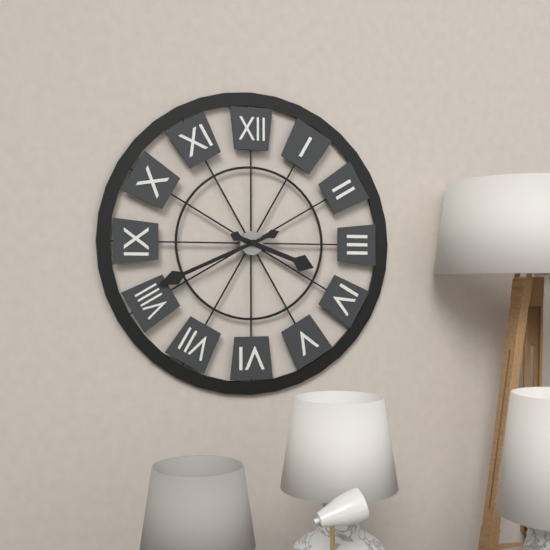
3:41
